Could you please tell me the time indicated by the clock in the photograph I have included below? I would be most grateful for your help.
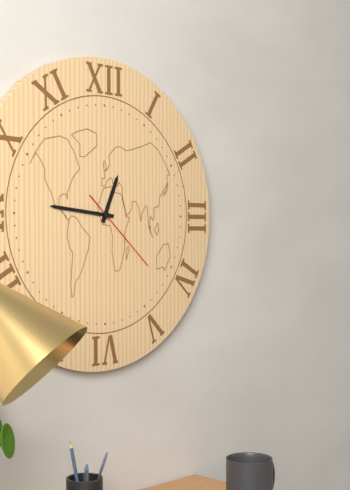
12:46:22
